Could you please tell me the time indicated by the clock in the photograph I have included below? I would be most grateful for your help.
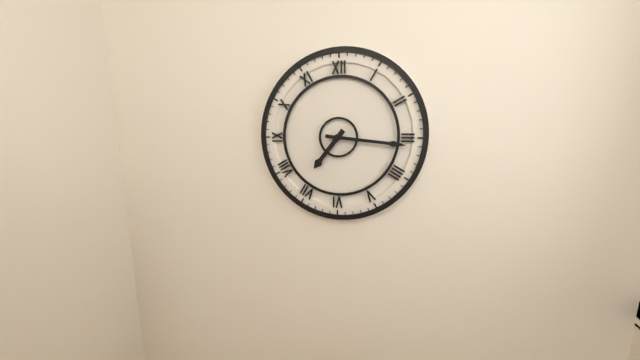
7:16
